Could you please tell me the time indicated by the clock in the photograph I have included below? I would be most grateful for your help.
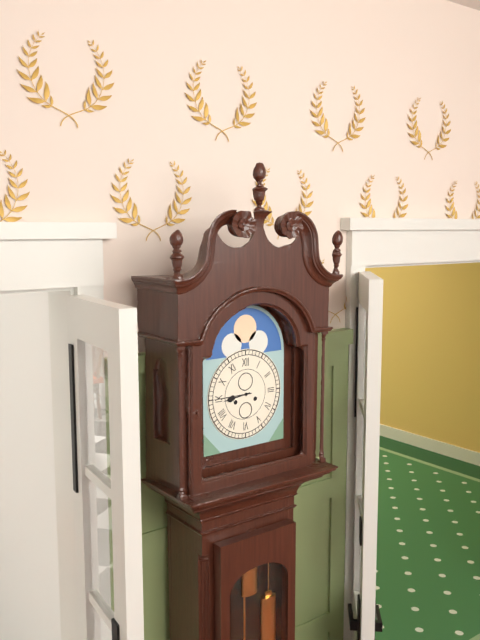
8:45
